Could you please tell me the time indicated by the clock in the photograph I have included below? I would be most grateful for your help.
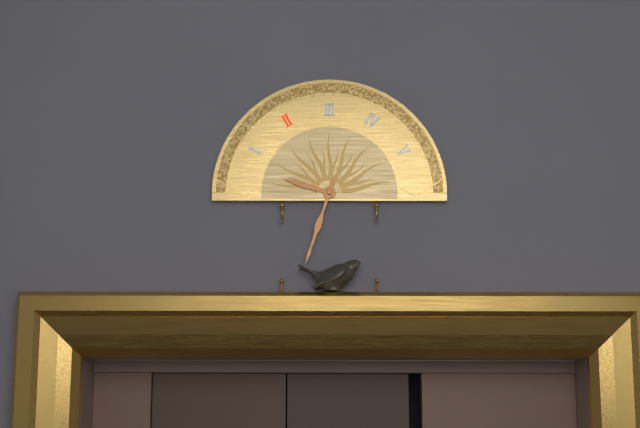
9:33
